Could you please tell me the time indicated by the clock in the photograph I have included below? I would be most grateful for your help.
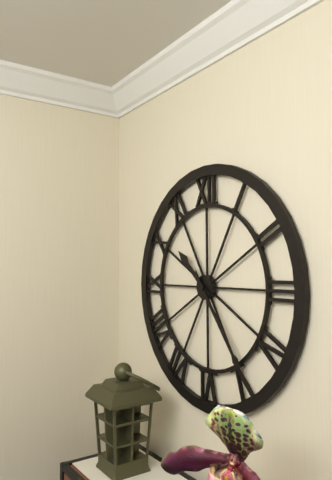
10:24
